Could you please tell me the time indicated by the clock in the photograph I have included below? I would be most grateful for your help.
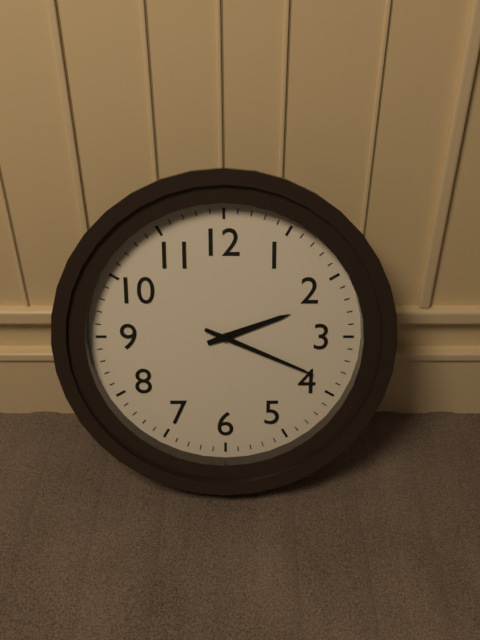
2:19
